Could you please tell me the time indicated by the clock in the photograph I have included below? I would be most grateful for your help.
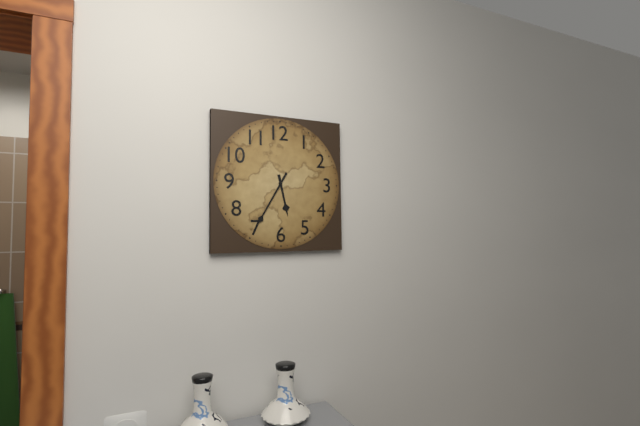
5:35
